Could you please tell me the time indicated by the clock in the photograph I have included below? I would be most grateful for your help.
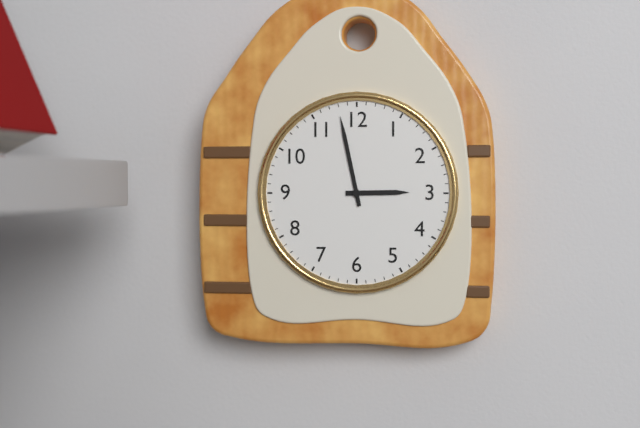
2:58
